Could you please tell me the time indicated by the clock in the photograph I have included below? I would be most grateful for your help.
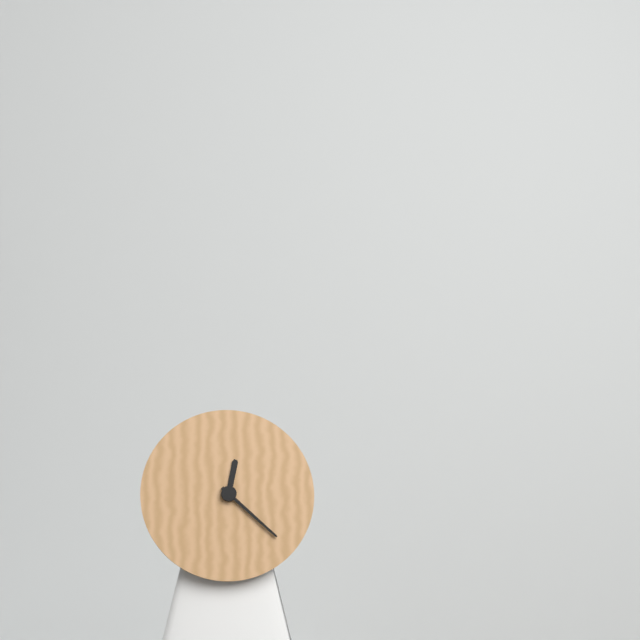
12:22
